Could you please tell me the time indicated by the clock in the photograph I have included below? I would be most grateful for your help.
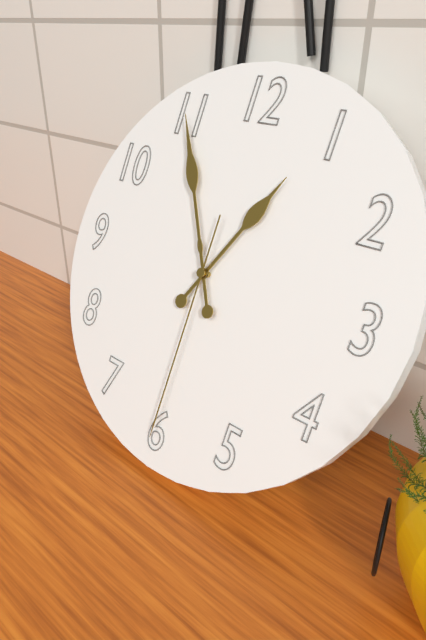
12:55:30
